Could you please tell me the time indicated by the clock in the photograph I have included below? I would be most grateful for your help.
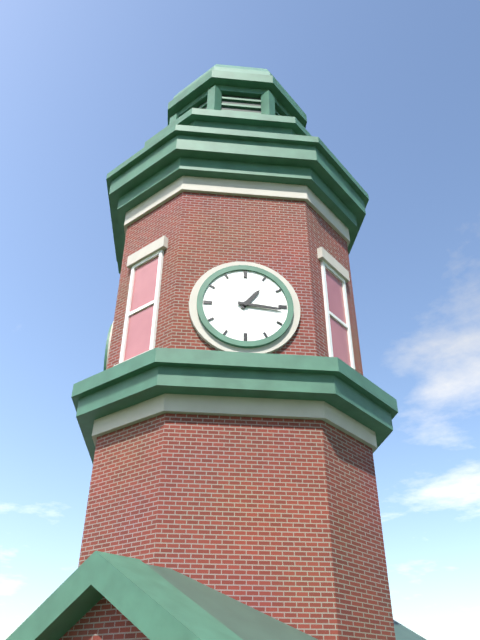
1:16
